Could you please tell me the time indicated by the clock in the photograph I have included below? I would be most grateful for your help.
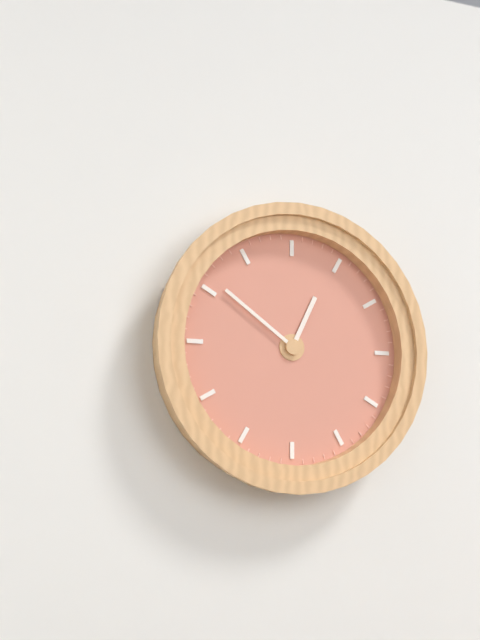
12:51
